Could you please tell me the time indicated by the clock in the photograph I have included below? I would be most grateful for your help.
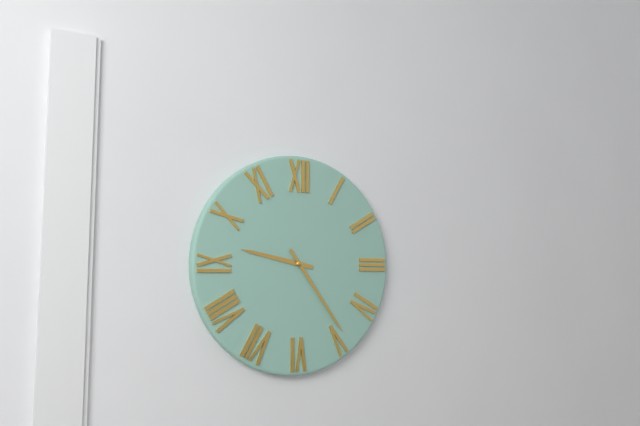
9:24
